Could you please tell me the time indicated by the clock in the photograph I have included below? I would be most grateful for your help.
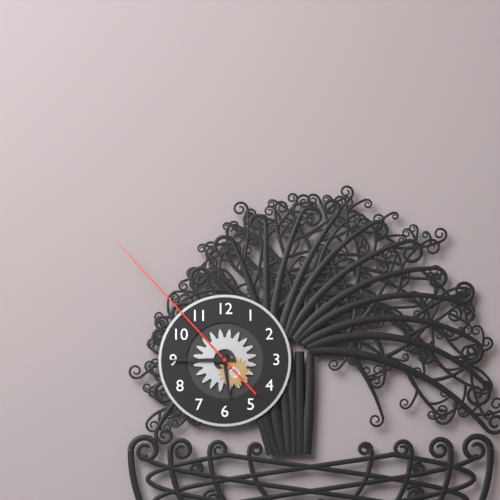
5:45:53
